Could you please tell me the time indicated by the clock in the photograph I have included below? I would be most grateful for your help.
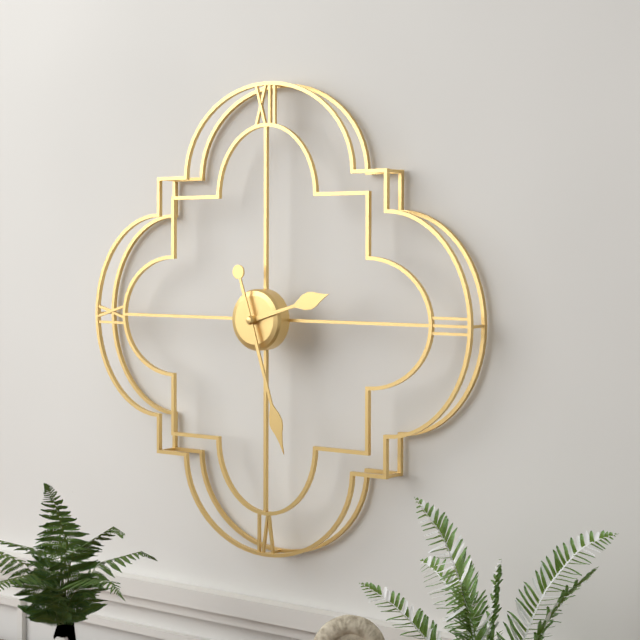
2:27
